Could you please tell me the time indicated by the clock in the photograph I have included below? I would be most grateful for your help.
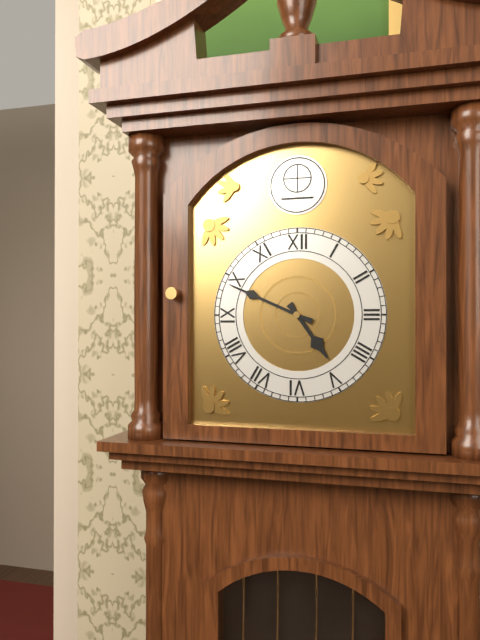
4:49
